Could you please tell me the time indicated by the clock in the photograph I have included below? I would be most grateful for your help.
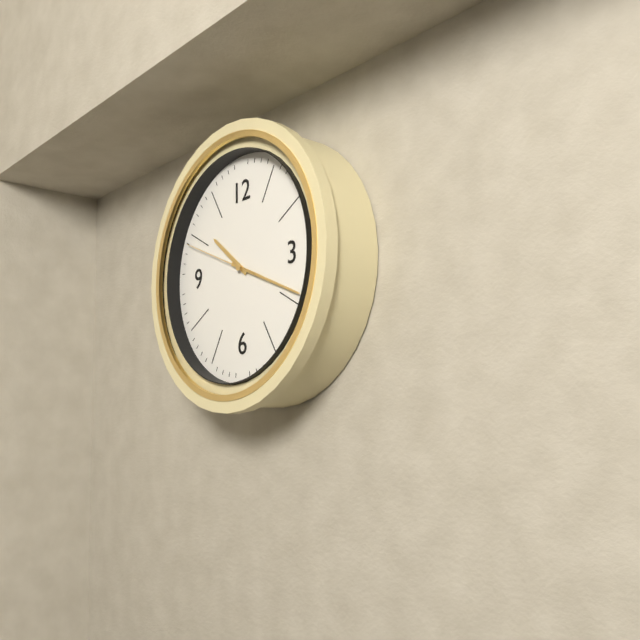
10:19:49
